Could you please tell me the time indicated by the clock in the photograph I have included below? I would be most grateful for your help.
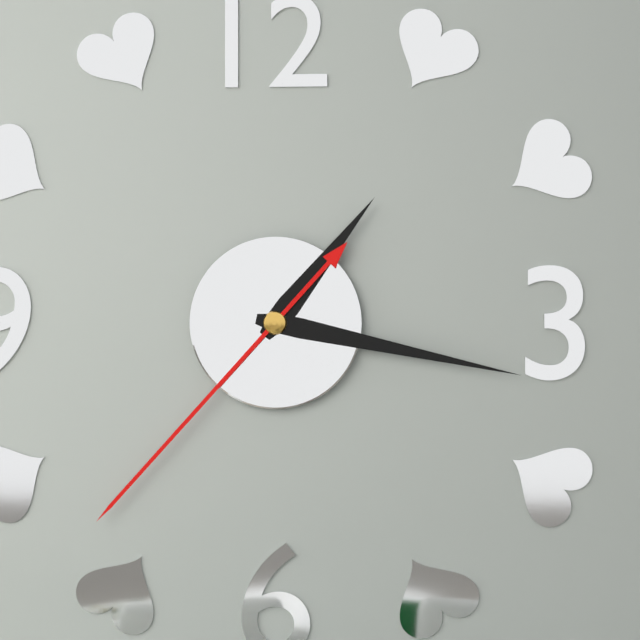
1:17:37
